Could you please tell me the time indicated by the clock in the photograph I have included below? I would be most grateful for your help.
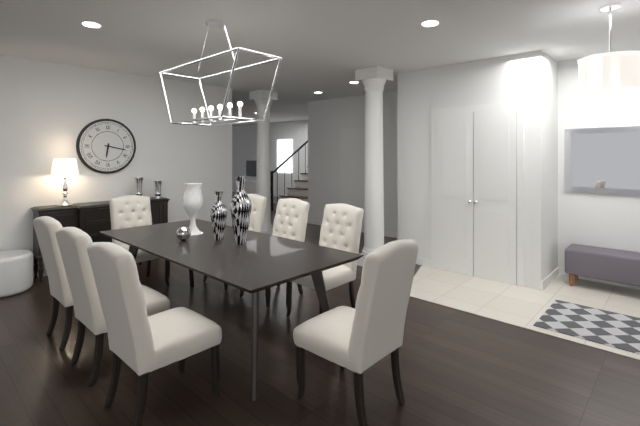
6:17
